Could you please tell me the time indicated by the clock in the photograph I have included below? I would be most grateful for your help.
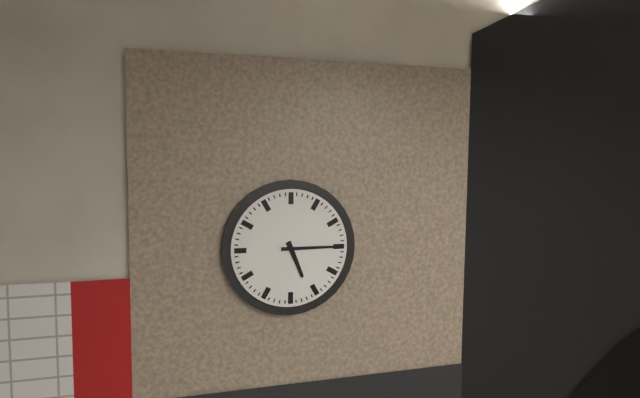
5:15
